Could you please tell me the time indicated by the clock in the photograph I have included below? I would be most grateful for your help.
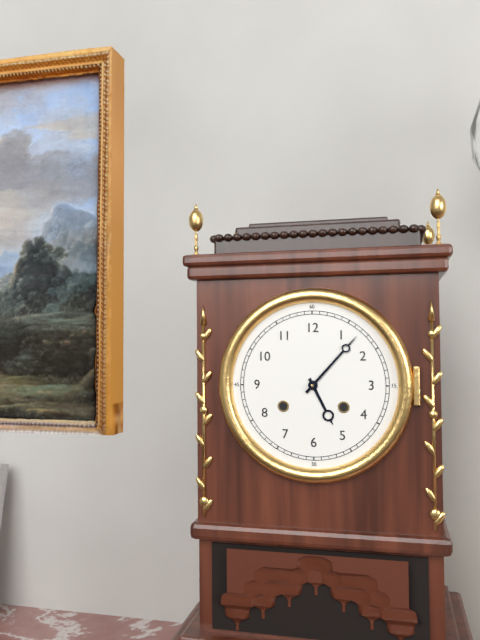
5:07
